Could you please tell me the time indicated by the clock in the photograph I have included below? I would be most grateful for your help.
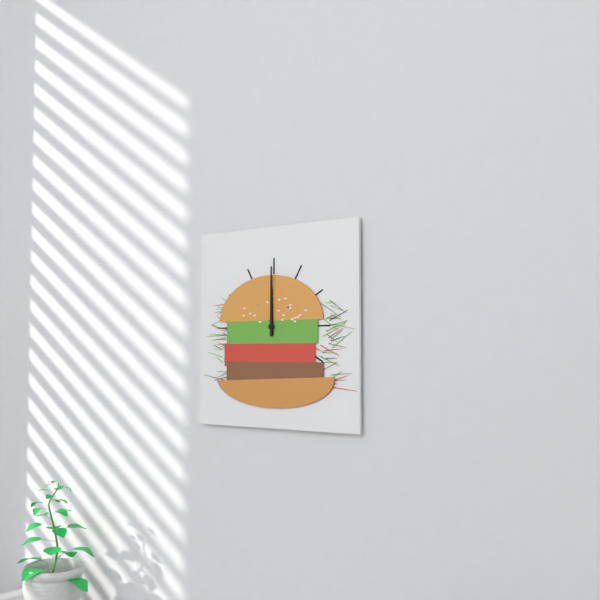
12:00
